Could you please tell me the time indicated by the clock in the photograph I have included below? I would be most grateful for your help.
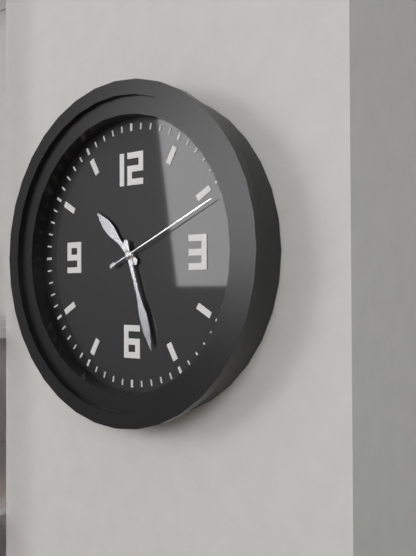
10:27:11
